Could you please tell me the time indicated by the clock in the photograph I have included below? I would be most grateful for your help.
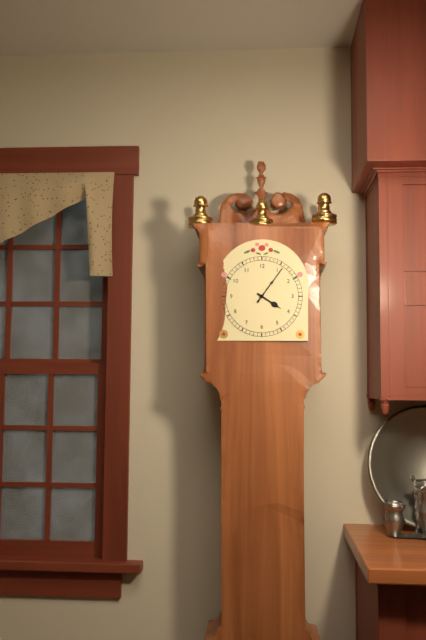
4:06
